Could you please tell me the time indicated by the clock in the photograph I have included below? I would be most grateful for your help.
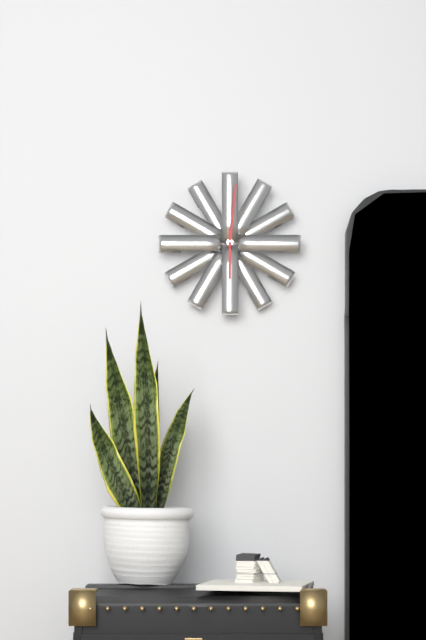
6:01
